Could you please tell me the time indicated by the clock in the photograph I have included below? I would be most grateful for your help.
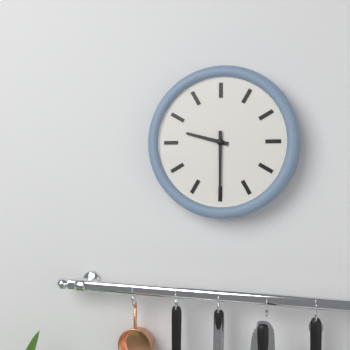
9:30
